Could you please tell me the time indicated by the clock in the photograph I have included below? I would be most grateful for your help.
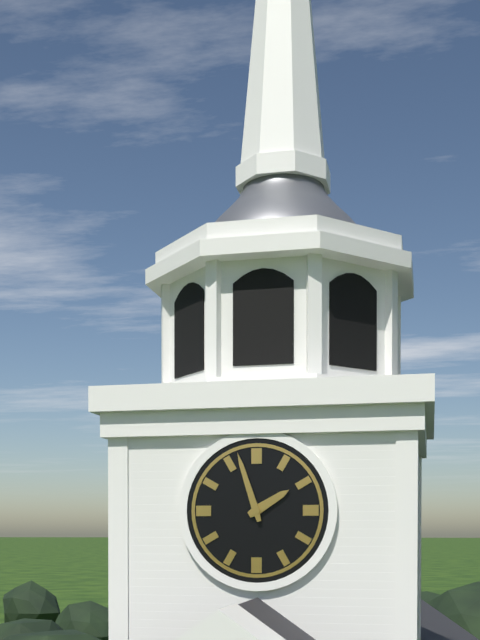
1:57
